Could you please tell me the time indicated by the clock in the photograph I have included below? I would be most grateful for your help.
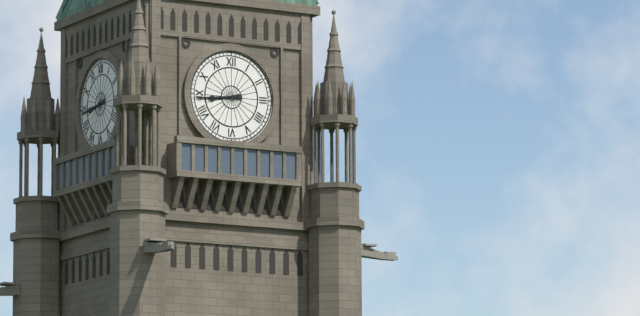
8:44
